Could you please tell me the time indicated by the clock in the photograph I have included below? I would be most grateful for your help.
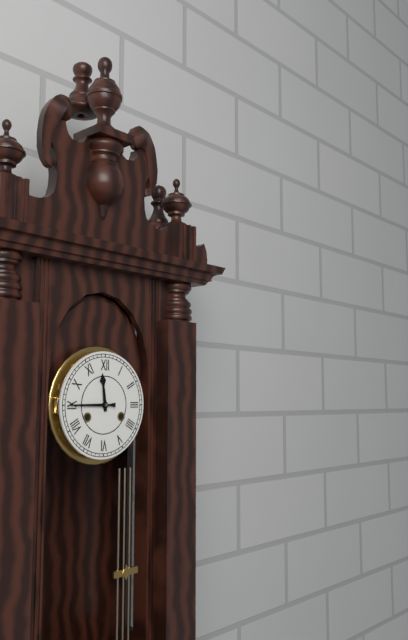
11:45
